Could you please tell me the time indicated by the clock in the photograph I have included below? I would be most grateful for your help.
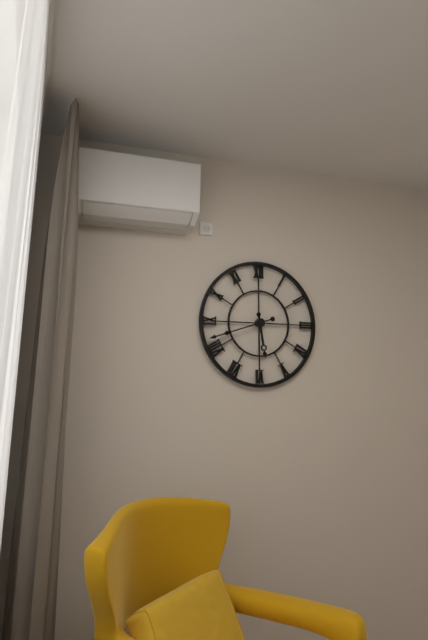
5:42
